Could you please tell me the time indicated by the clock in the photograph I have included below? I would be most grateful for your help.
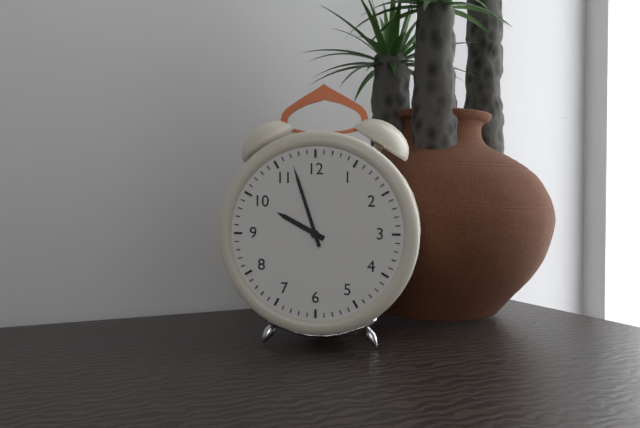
9:57
